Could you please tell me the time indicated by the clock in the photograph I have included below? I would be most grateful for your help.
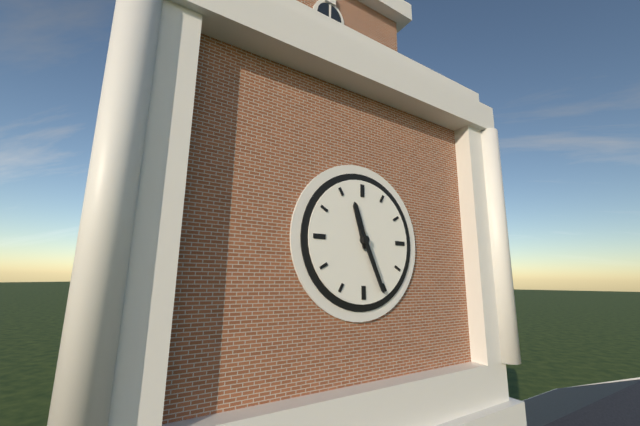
11:26
